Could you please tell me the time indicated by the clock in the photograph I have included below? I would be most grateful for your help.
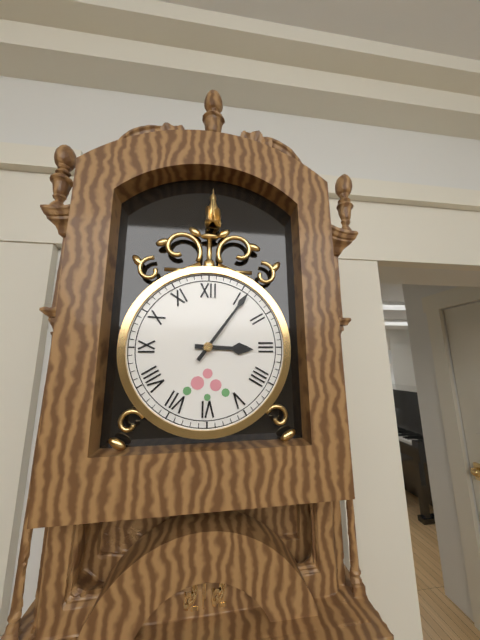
3:06
